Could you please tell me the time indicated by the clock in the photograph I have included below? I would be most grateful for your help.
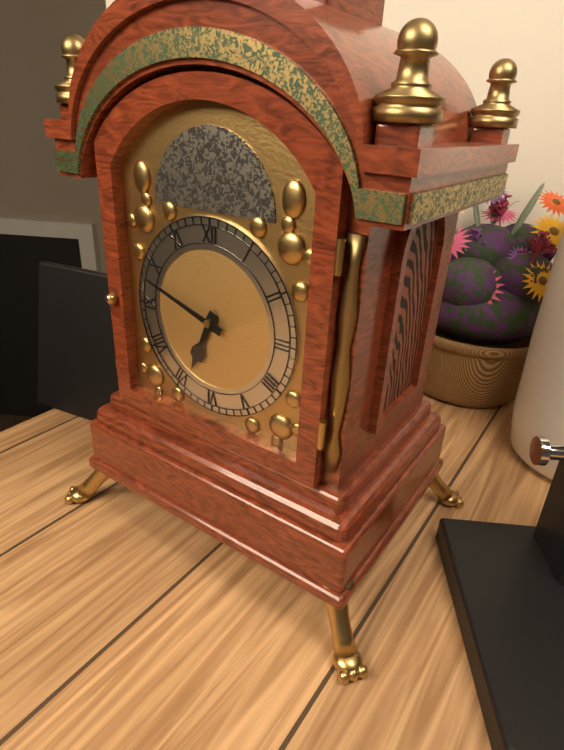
6:48
